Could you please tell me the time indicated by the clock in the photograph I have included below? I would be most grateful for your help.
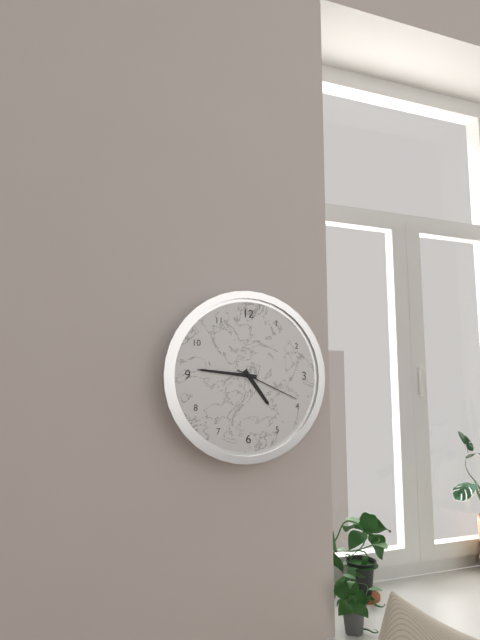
4:46:19
